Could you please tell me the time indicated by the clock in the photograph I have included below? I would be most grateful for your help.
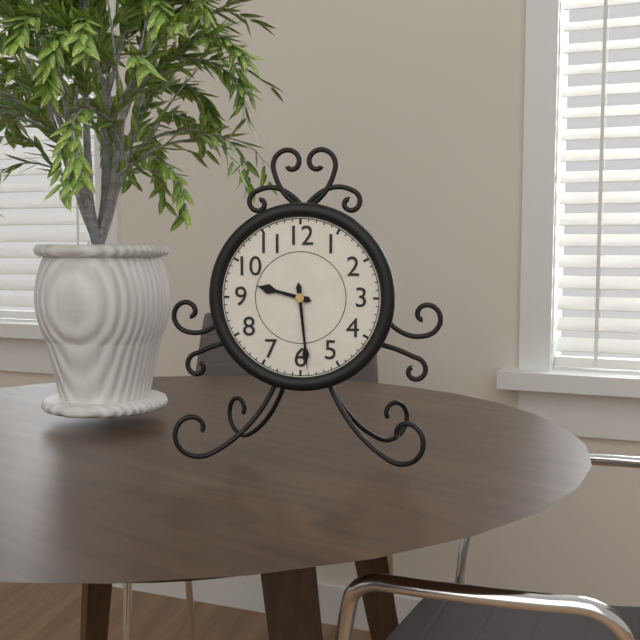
9:29
